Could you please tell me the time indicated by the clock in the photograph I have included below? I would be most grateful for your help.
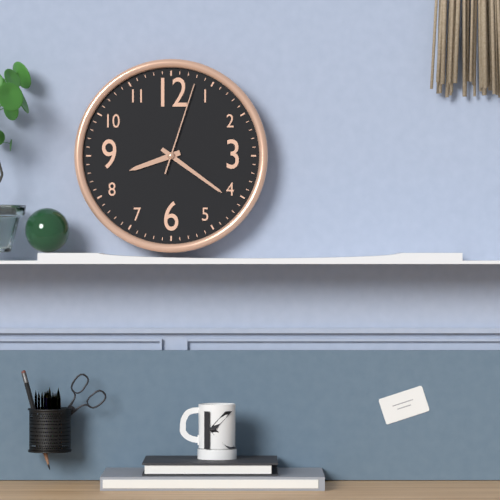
8:21:03
